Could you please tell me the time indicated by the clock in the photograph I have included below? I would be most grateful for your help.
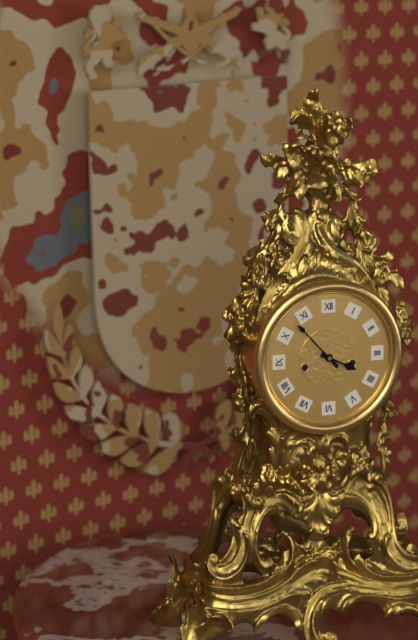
3:53
